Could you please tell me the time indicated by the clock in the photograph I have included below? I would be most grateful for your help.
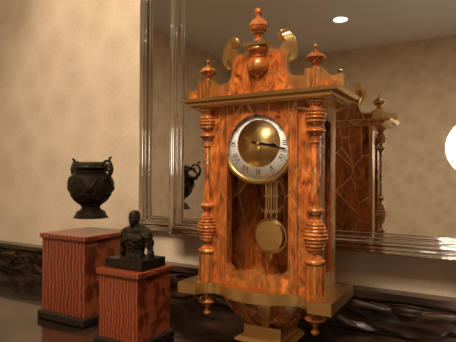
3:17
